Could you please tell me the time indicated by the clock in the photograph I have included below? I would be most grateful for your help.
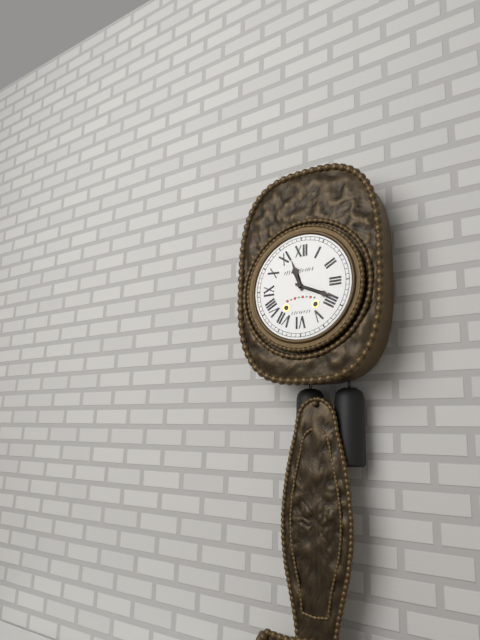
11:19
